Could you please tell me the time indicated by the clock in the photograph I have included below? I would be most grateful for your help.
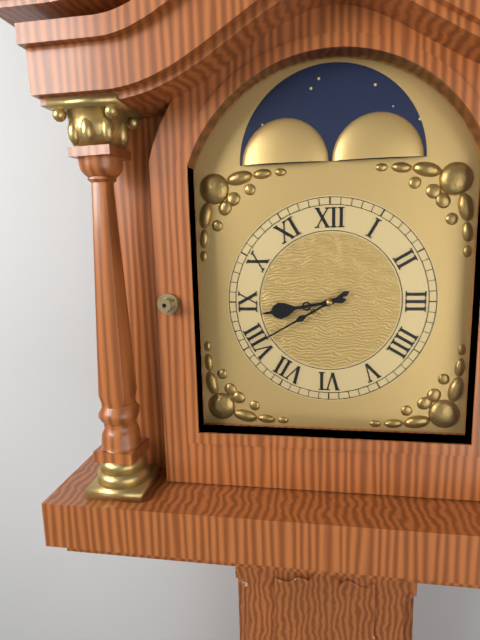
8:40
